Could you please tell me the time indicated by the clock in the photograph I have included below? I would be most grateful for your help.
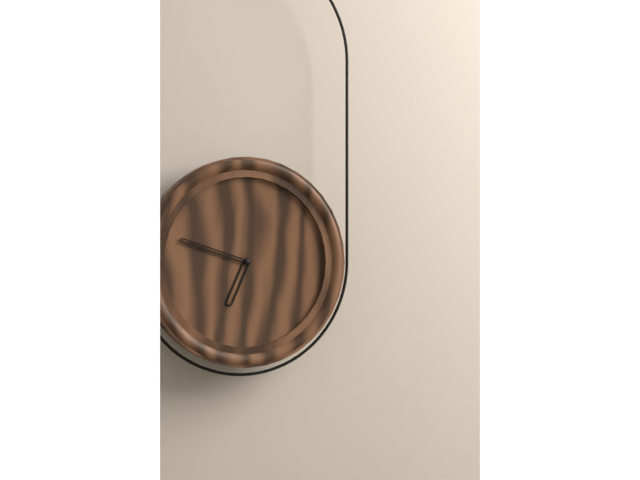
6:48
